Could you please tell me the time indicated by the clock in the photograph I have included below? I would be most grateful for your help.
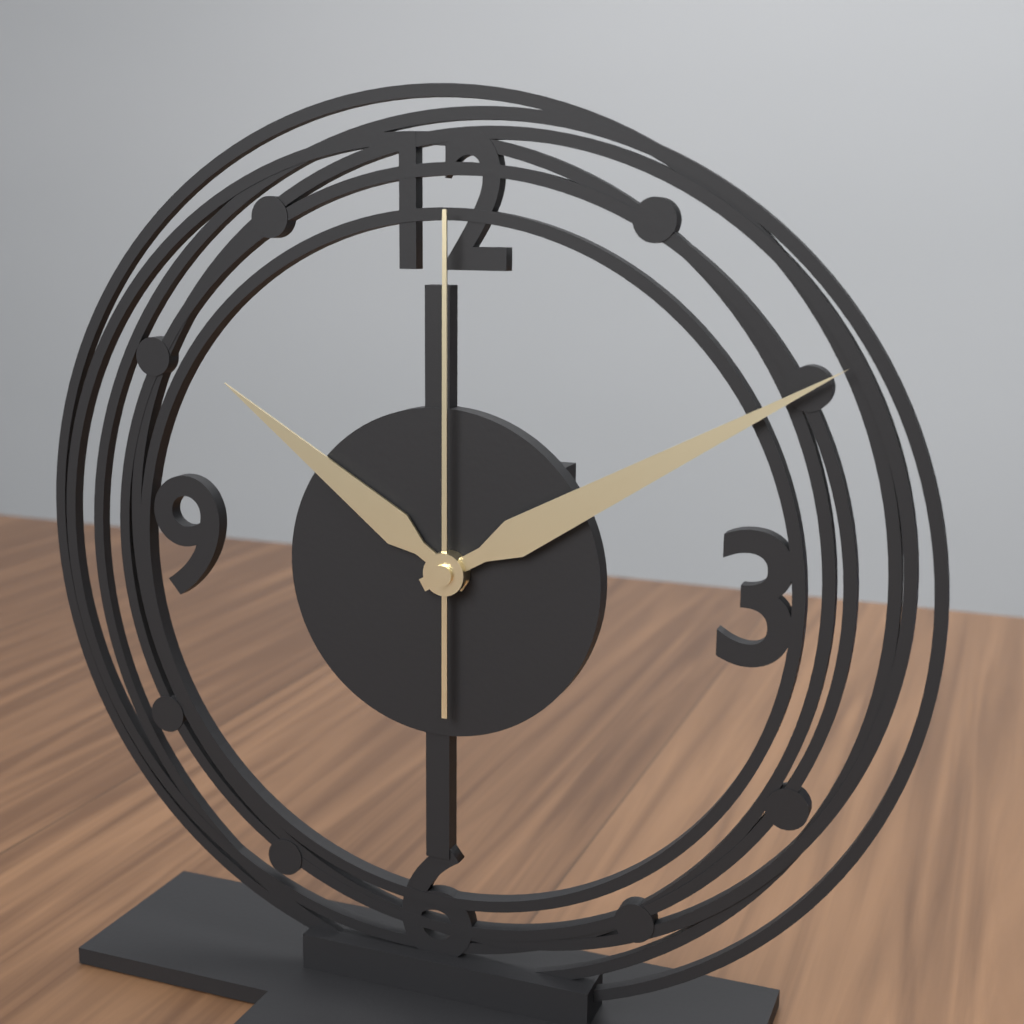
10:10:00
